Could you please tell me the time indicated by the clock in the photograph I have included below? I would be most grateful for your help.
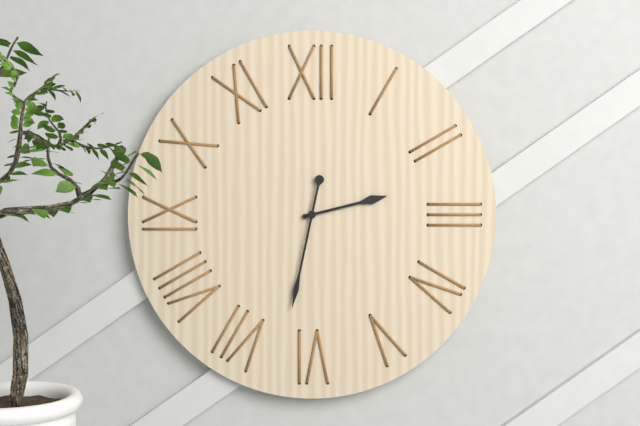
2:32
